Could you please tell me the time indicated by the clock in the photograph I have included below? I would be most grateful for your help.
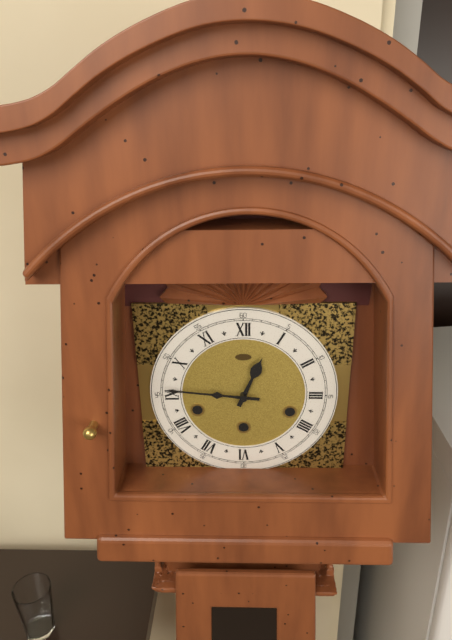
12:46
